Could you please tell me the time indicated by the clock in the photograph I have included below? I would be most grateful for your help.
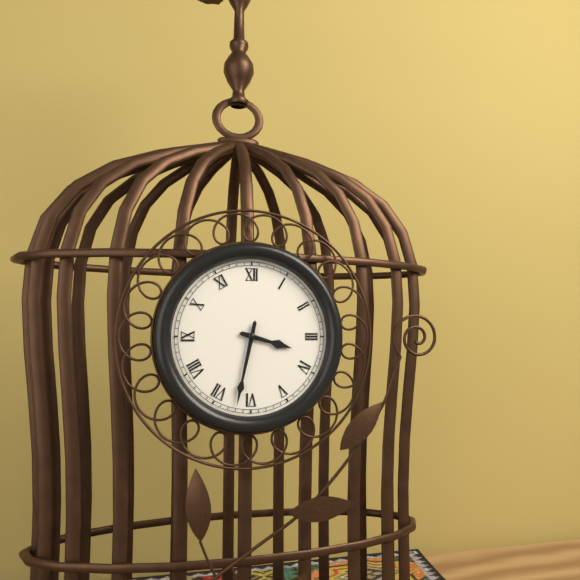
3:32
